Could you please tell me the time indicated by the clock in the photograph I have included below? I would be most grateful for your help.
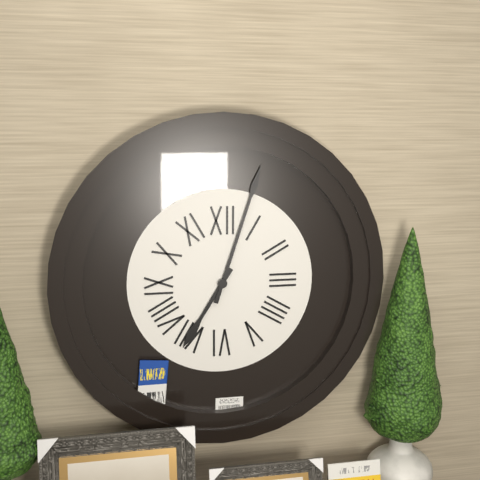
7:03
